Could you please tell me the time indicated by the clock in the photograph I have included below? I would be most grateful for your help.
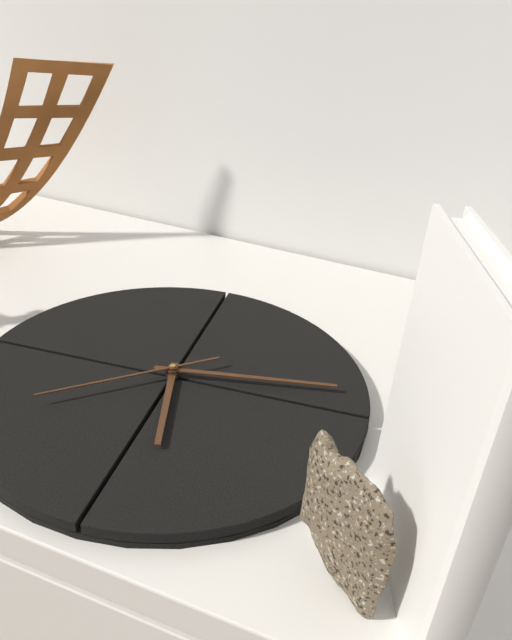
6:17:42
